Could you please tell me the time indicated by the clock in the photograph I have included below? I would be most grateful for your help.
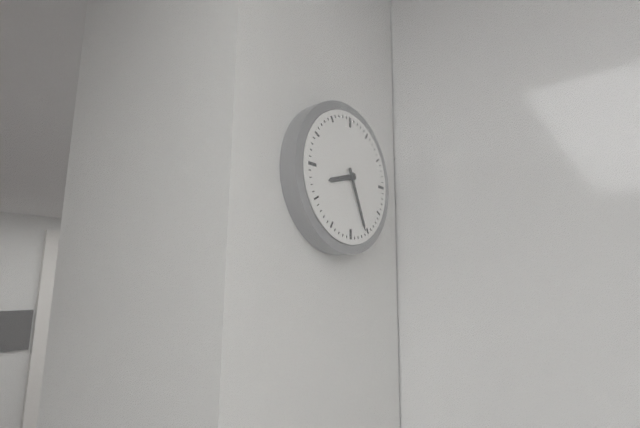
8:26
